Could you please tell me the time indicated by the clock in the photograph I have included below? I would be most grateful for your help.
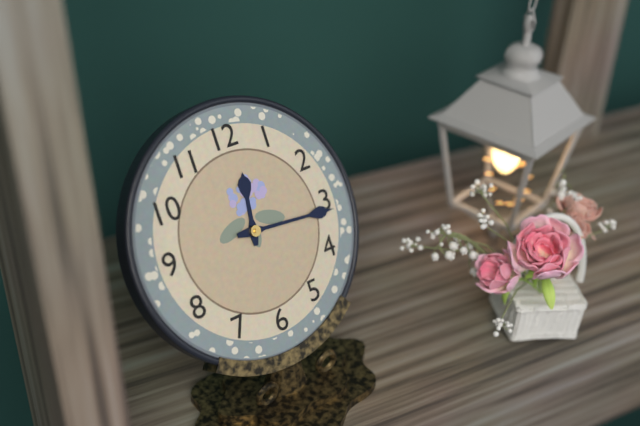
12:16
